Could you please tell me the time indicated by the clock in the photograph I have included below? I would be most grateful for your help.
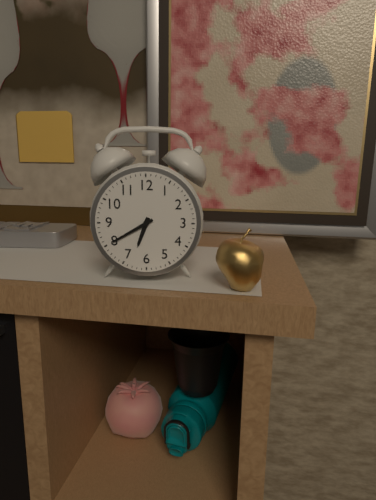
6:40
